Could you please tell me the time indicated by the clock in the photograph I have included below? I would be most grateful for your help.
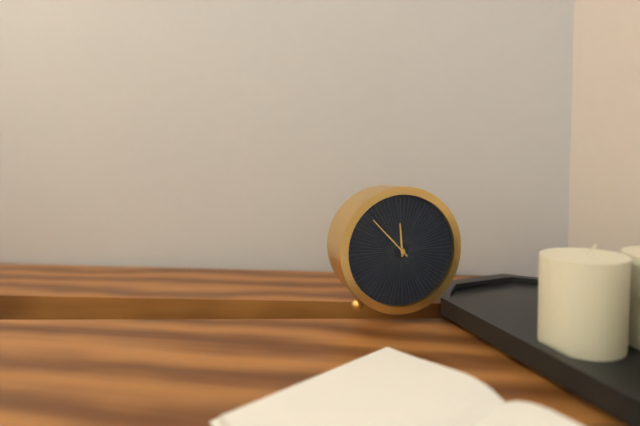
11:53
